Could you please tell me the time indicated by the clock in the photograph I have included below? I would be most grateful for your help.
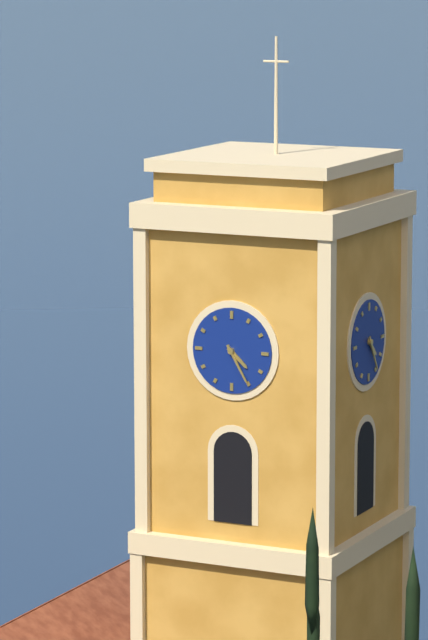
4:25
